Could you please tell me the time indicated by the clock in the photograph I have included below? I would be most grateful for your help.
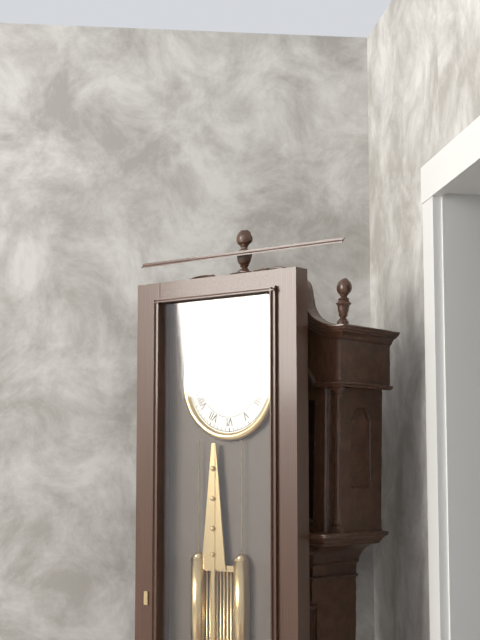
9:42
